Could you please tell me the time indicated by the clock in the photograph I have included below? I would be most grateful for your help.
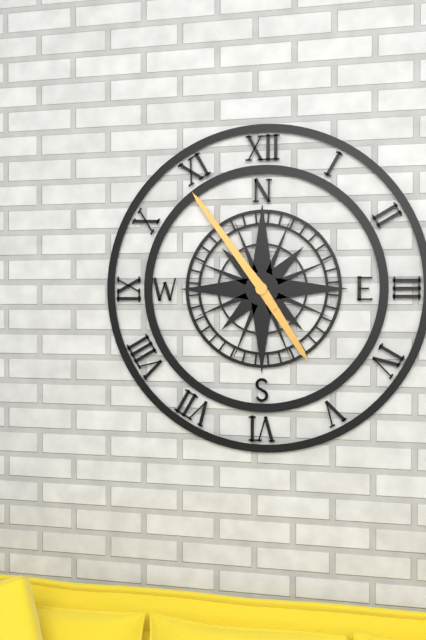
4:54
